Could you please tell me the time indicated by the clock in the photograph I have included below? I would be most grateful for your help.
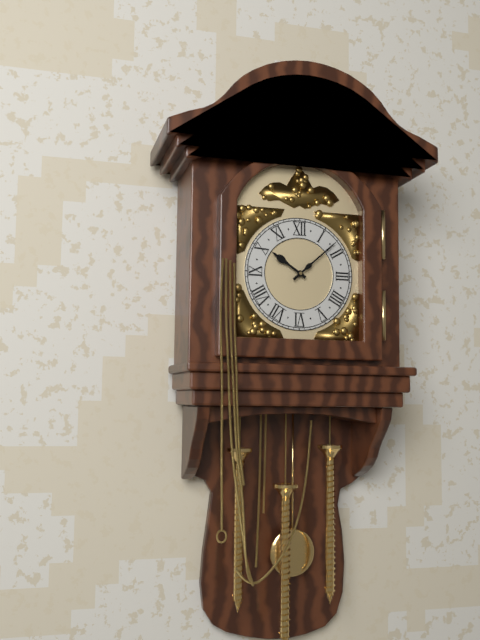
10:08
